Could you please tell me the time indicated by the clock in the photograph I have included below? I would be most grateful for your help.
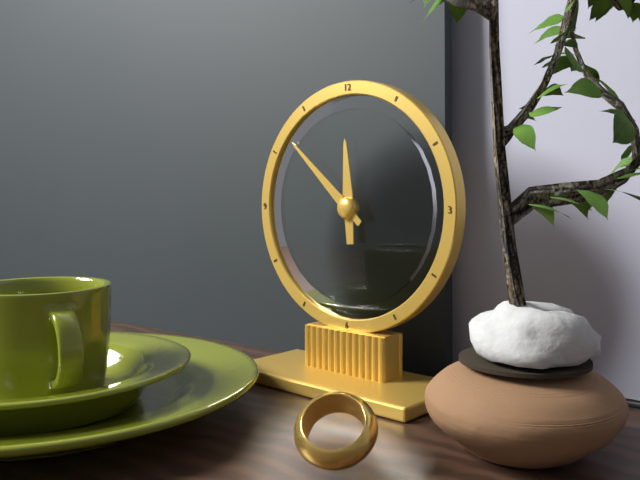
11:52
